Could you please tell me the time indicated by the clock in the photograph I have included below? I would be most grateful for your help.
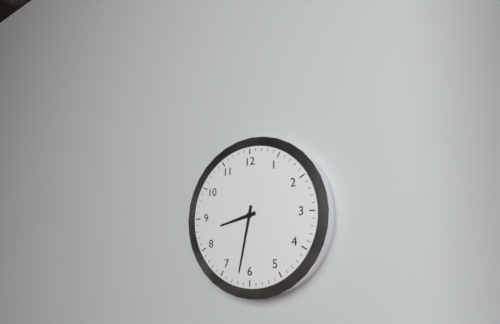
8:32
